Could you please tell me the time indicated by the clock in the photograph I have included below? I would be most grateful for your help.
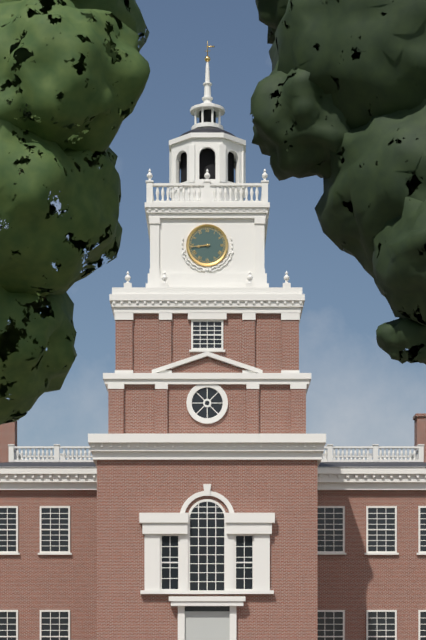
8:44
